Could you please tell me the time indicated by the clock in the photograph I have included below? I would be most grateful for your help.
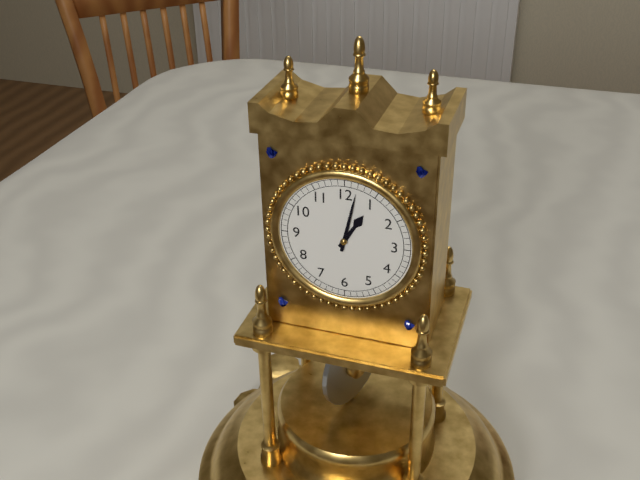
1:02
